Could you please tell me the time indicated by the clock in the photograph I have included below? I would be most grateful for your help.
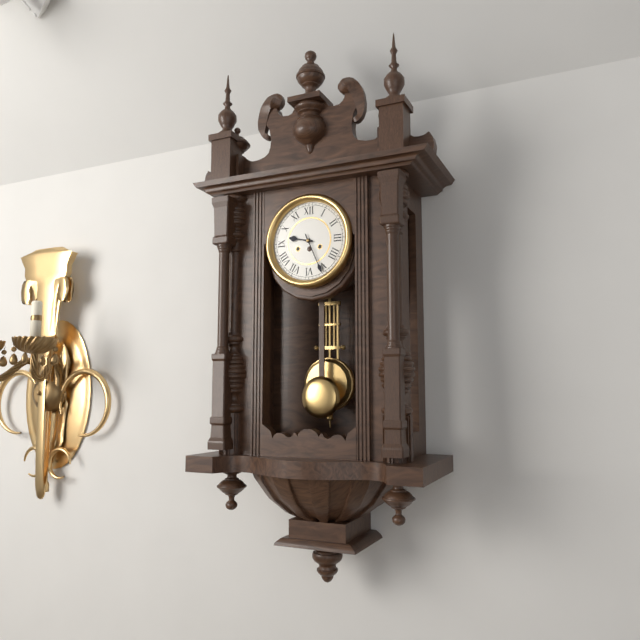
9:26
